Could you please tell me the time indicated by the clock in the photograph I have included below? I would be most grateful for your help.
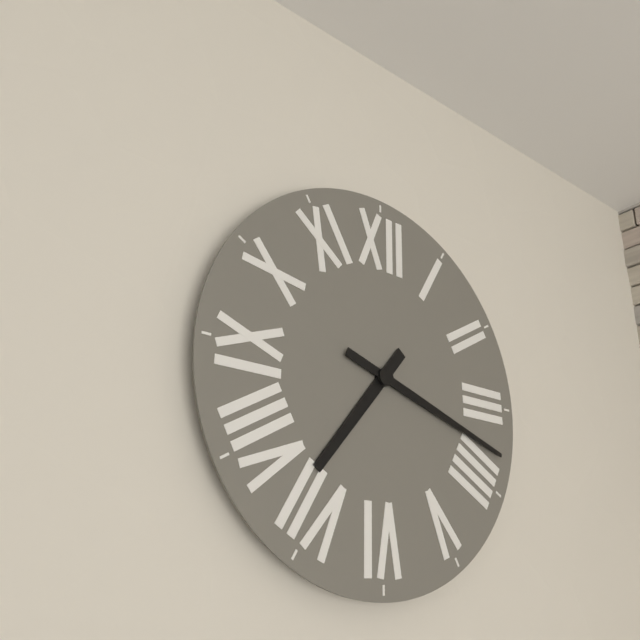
7:18
